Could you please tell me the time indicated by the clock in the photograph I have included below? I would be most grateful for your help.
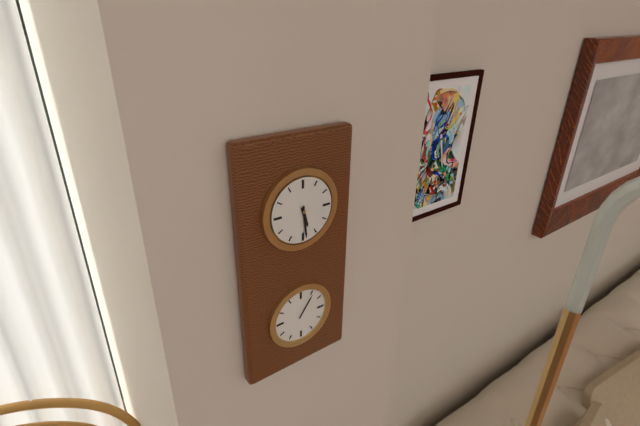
5:29
